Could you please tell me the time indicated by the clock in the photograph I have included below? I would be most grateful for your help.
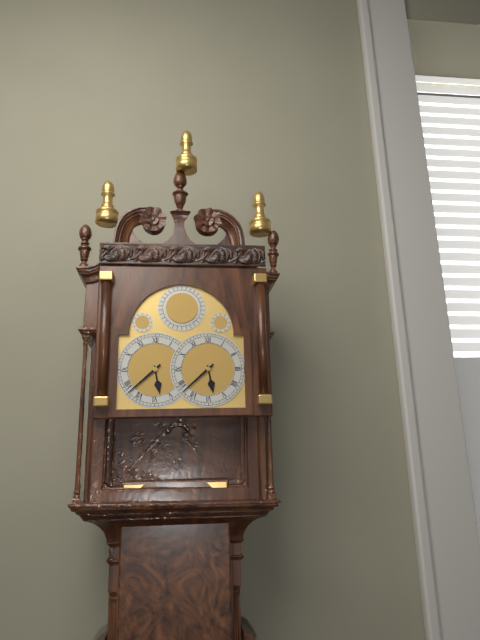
5:38
